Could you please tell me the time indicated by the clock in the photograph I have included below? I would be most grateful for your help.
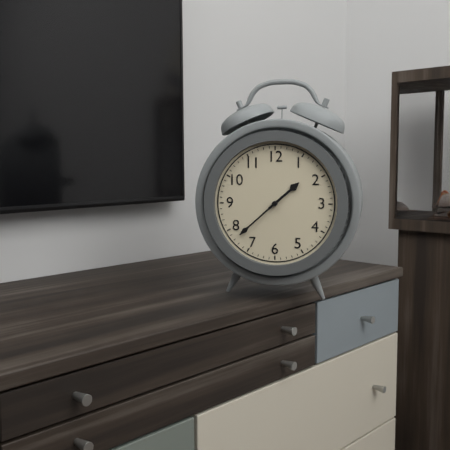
1:38
